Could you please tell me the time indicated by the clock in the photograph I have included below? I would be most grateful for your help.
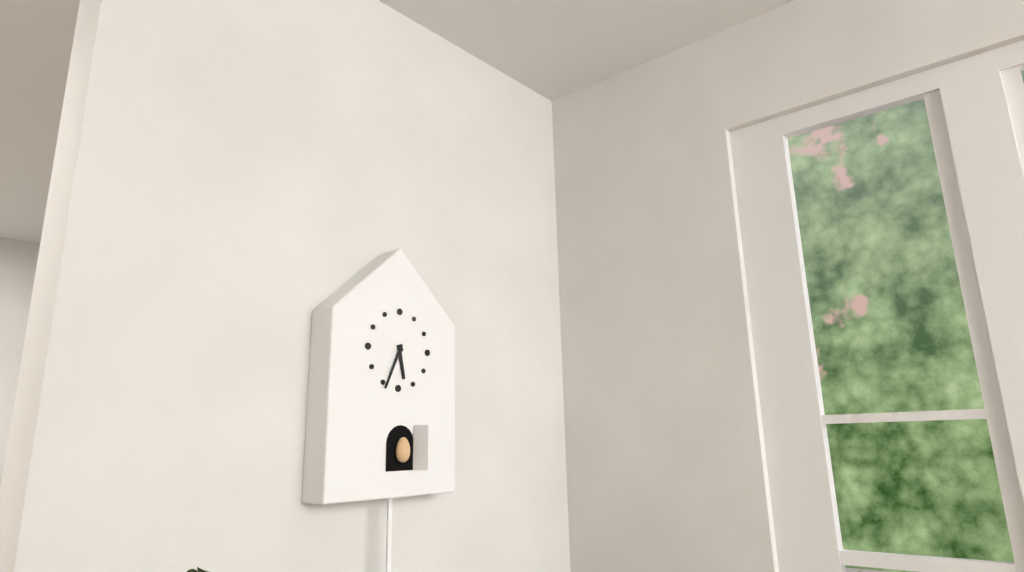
5:34
